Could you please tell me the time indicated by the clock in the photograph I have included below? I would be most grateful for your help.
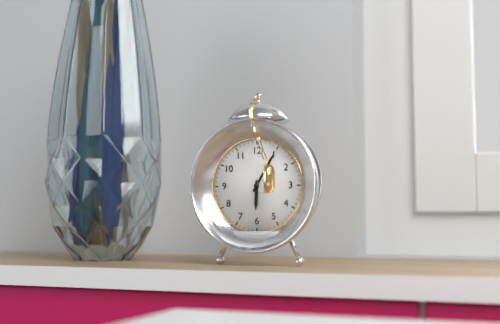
6:05
